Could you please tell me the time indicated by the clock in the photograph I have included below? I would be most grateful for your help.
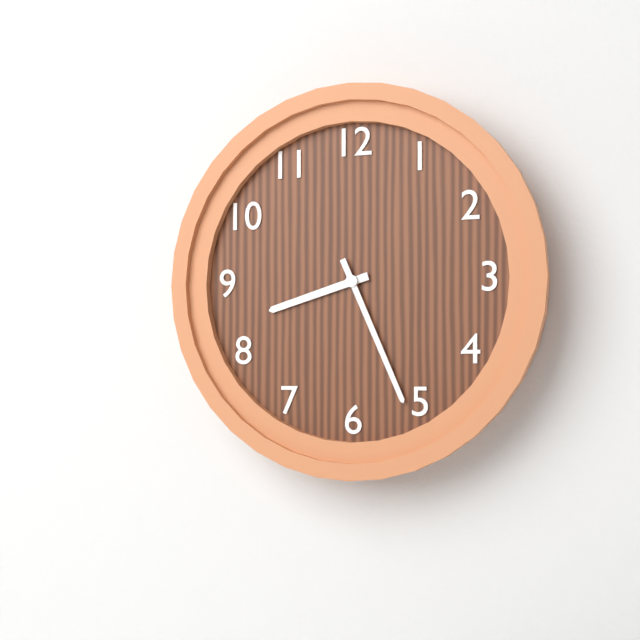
8:26
